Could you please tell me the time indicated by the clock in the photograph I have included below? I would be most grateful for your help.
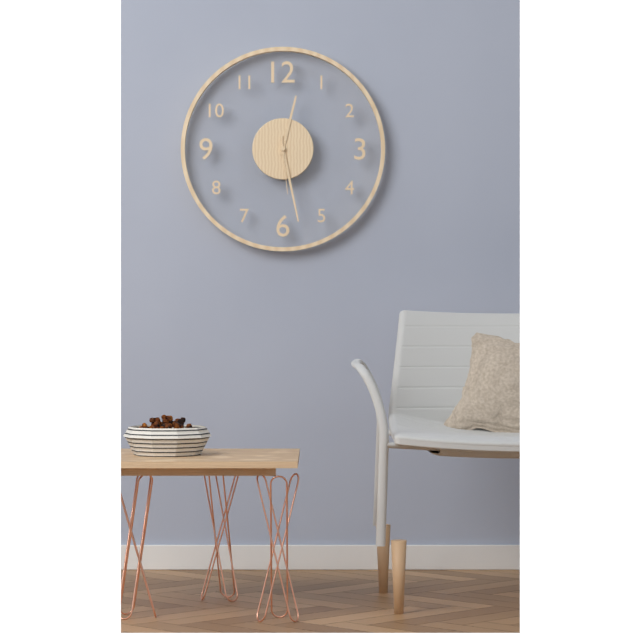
12:28:29
